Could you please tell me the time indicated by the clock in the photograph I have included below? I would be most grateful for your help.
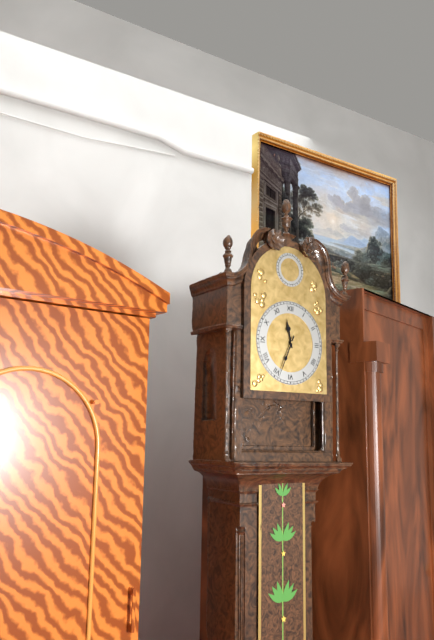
11:34
